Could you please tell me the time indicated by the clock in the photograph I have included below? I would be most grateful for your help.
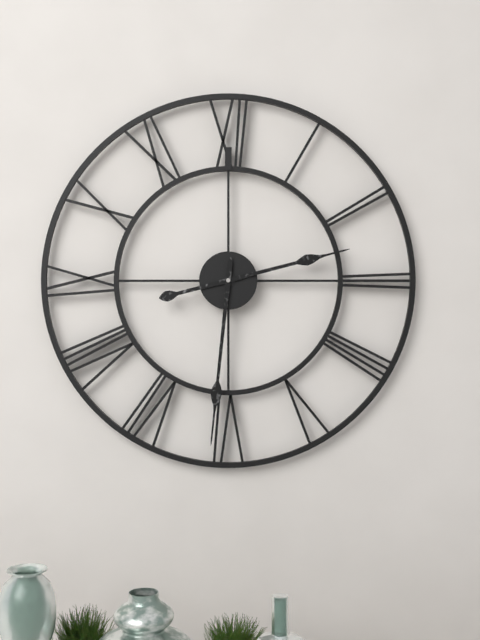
2:31
